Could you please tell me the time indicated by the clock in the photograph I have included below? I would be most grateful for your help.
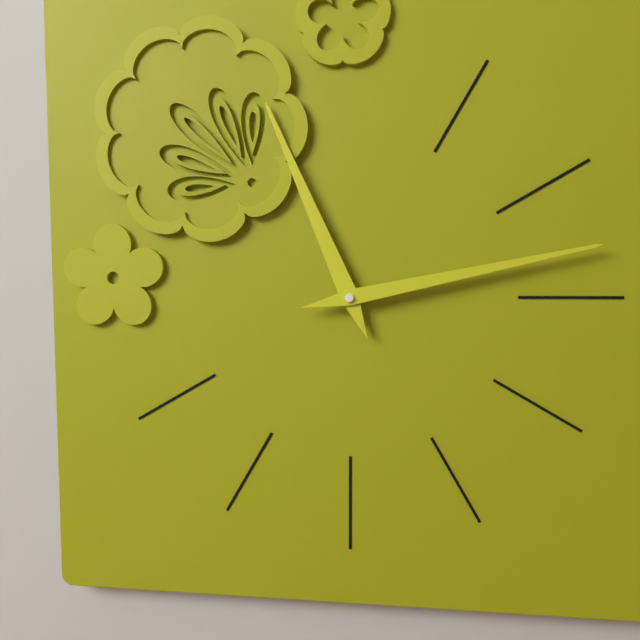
11:13
